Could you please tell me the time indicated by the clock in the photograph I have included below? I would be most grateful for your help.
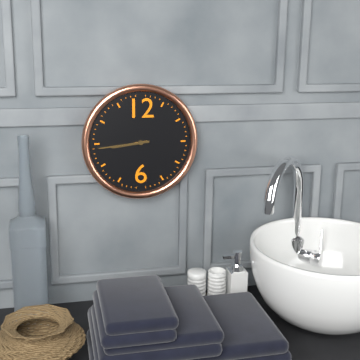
8:44
